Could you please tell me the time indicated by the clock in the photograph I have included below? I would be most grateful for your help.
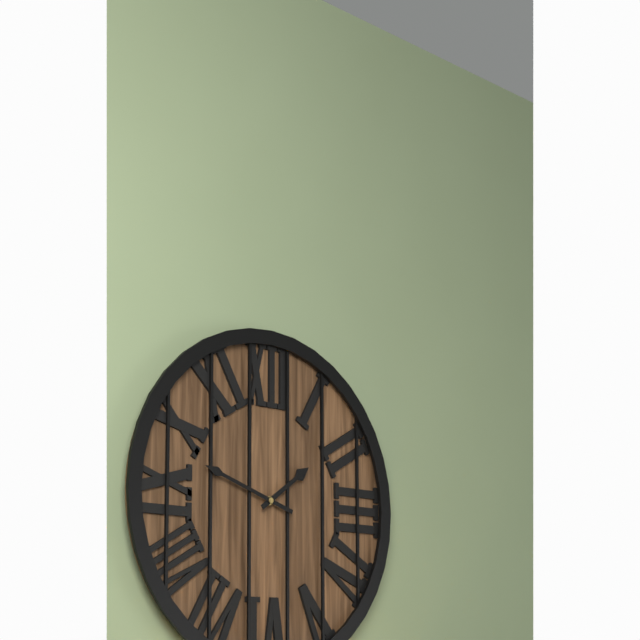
1:48
